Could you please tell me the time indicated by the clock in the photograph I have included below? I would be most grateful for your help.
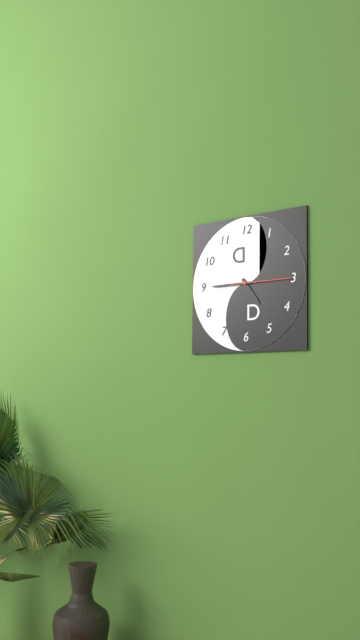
4:45:15
